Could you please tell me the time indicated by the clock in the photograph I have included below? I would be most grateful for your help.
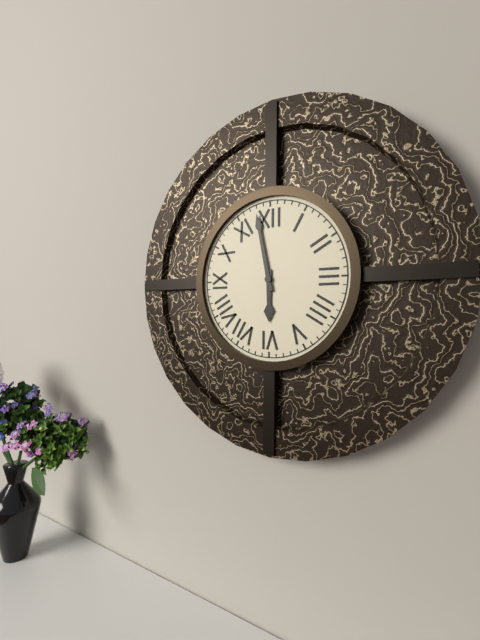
5:58
